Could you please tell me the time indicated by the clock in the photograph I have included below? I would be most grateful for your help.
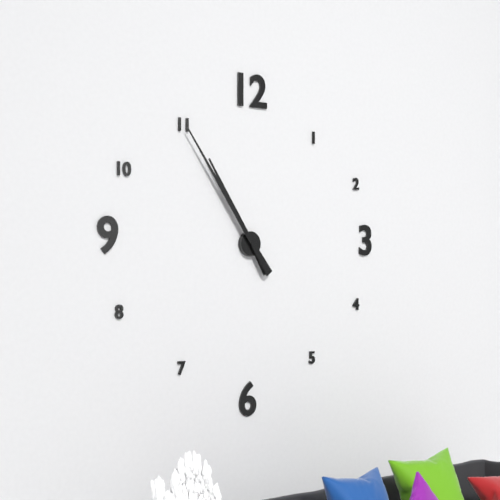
10:54
